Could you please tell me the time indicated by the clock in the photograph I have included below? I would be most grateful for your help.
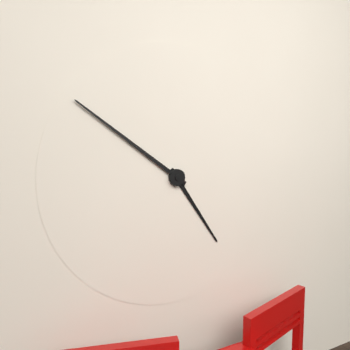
4:51
